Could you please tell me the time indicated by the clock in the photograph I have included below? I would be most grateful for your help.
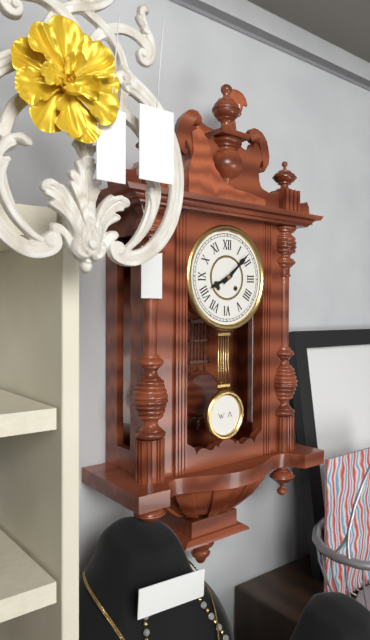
8:08
